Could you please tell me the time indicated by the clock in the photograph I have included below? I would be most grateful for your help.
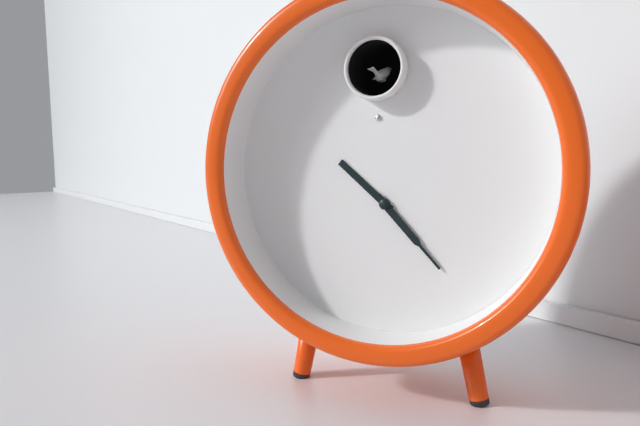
10:23
